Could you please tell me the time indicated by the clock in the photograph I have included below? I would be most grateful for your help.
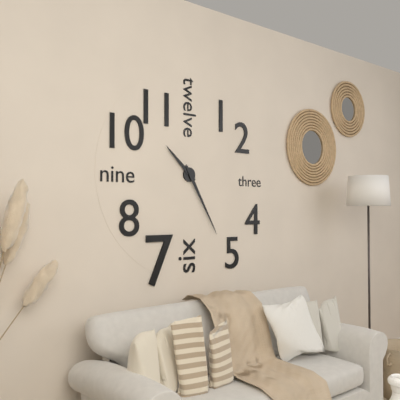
10:25
